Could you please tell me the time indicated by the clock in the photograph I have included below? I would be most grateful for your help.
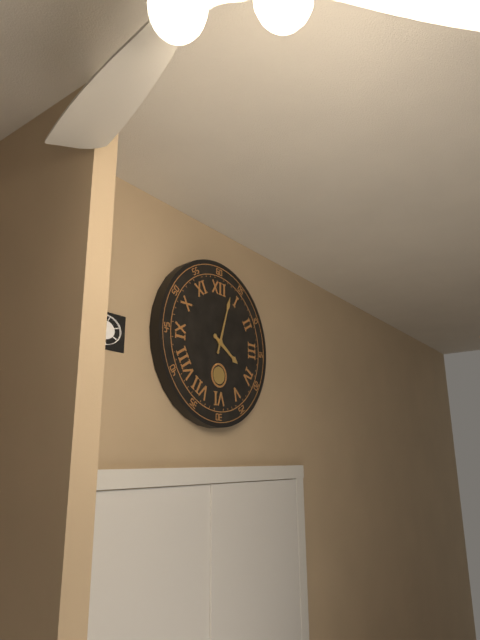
4:03
